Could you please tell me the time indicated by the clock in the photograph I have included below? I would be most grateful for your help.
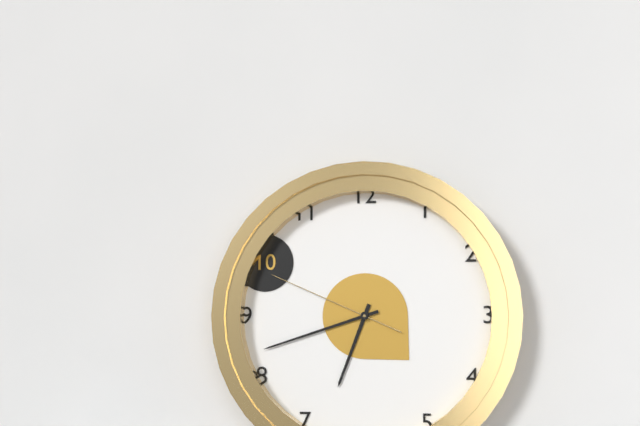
6:42:49
